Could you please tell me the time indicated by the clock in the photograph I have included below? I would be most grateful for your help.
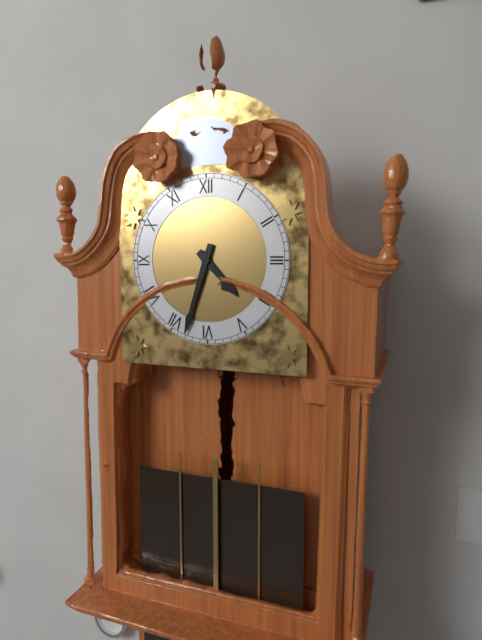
4:33
